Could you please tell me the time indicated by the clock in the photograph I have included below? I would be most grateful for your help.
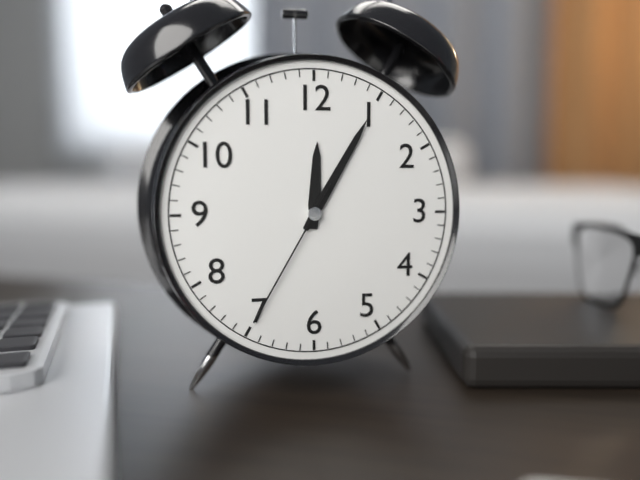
12:05:35
